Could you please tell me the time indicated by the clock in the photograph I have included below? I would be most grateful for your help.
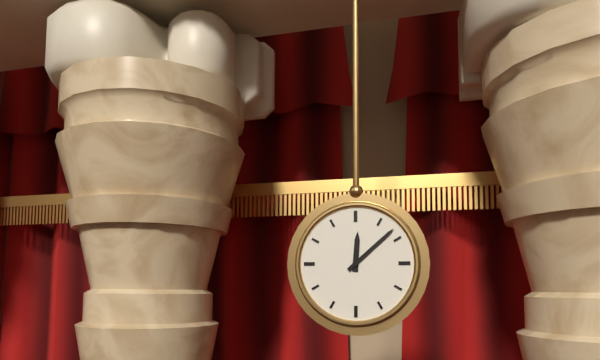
12:08
